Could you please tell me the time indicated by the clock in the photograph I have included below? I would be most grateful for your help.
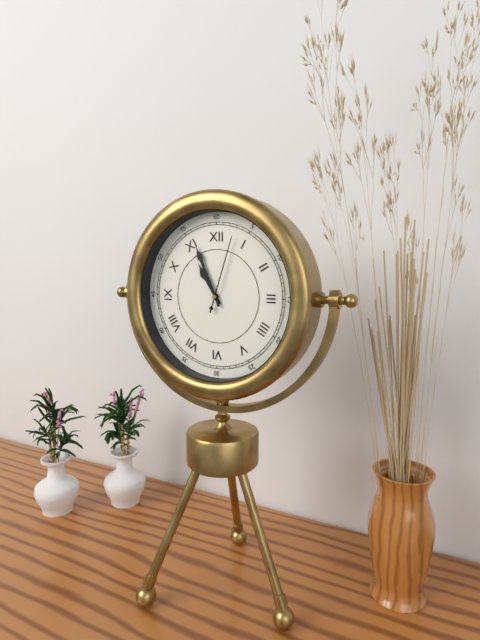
10:56:03
